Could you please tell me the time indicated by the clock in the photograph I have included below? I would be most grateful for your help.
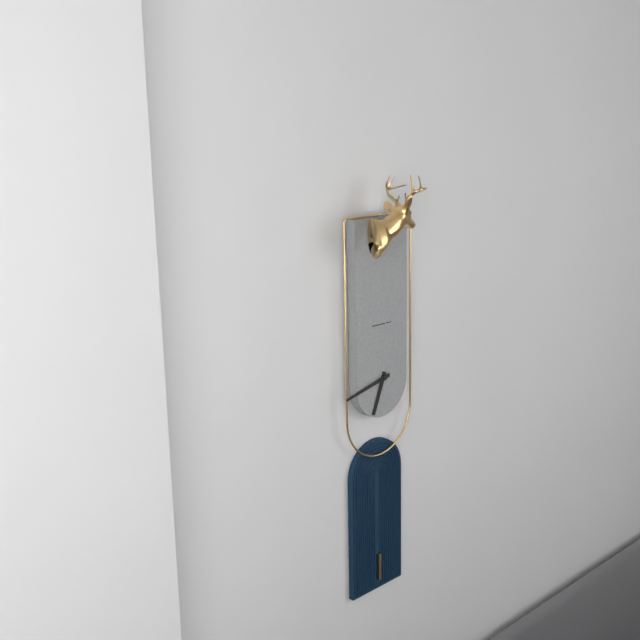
6:43
